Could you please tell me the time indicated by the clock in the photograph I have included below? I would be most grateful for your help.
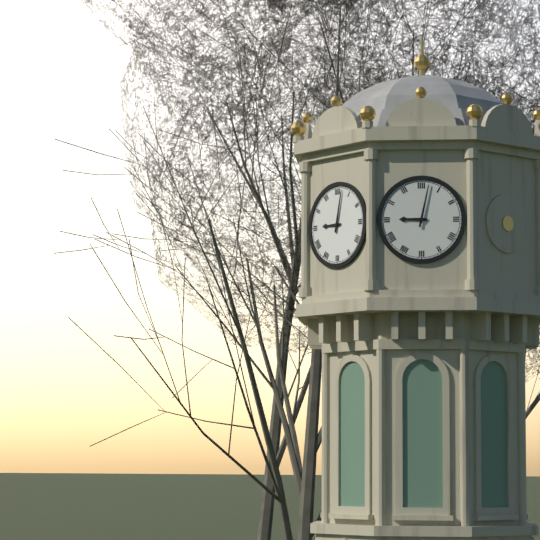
9:02
